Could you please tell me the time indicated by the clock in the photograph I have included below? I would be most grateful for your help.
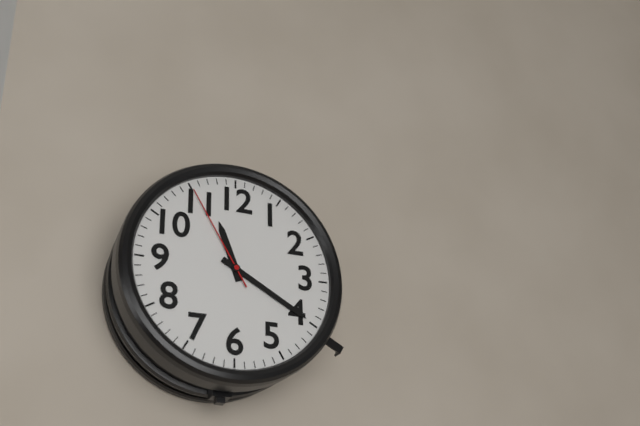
11:20:55
